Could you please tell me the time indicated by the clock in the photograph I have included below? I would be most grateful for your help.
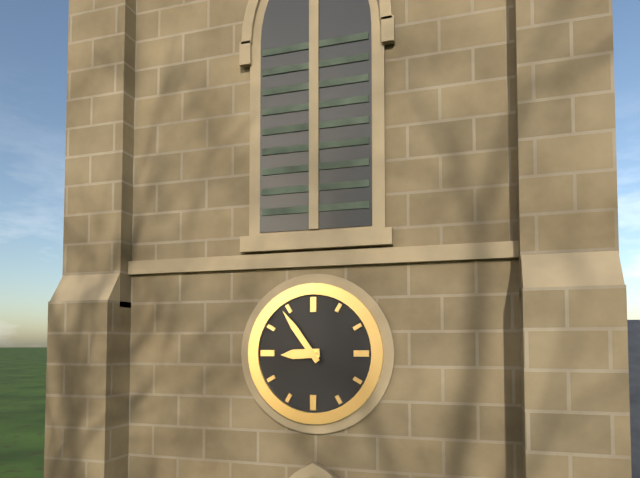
8:54
